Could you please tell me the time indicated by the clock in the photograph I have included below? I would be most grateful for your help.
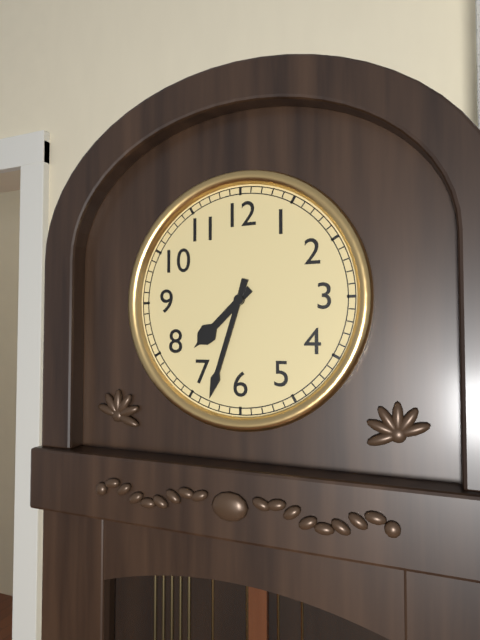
7:33
